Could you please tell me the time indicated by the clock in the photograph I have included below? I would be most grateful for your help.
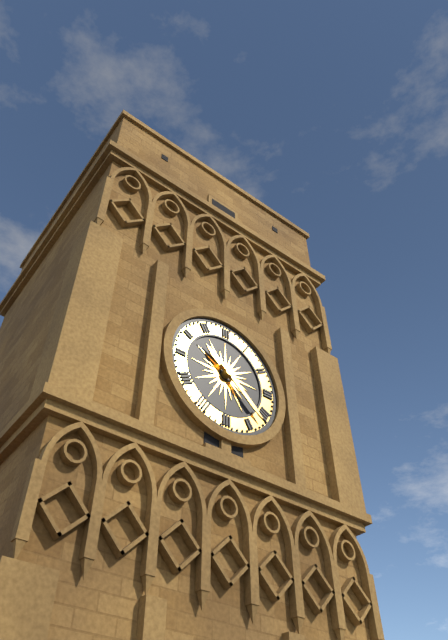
10:22
